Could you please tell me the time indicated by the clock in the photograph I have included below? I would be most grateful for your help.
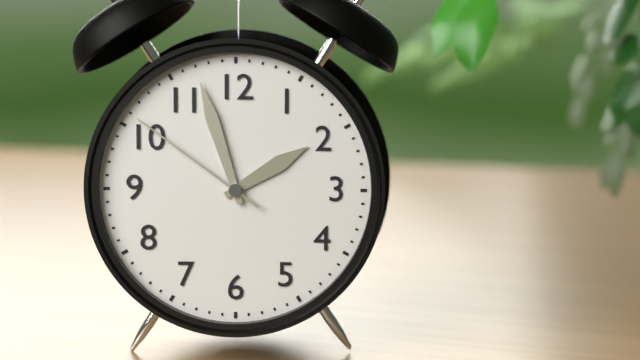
1:57:51
